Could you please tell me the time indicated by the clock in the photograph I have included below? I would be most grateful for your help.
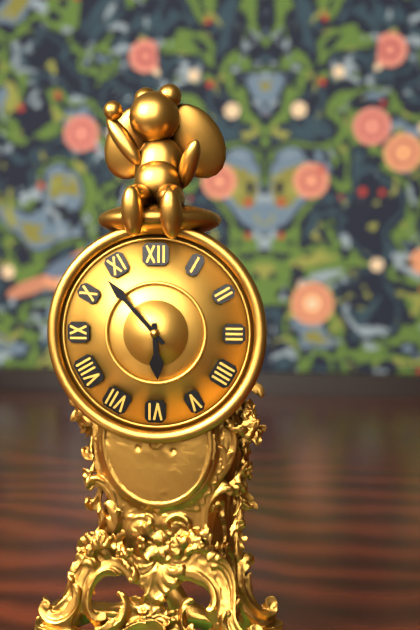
5:53
